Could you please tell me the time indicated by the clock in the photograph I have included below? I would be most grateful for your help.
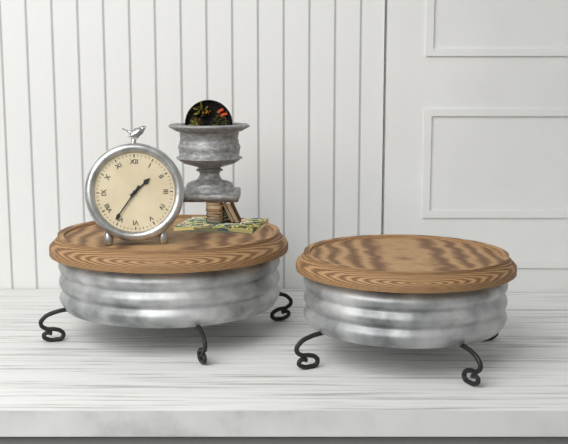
1:36
